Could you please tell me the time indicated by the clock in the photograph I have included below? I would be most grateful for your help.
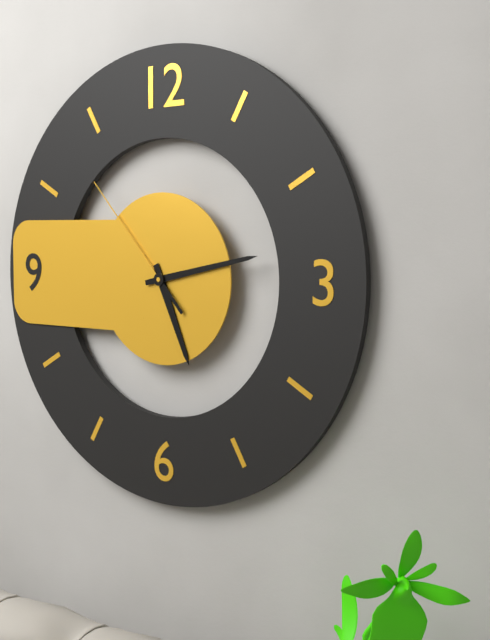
5:13:53
